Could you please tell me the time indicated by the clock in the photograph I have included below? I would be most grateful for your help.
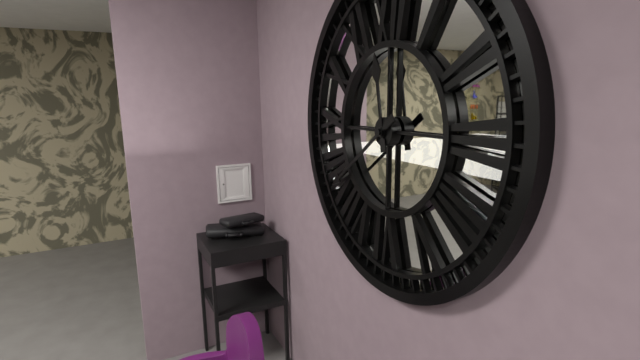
11:39
